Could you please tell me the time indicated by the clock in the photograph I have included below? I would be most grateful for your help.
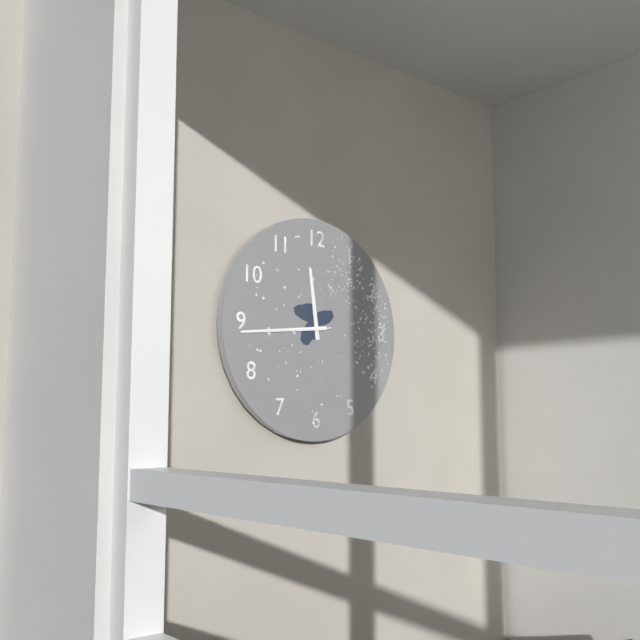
11:44:44
